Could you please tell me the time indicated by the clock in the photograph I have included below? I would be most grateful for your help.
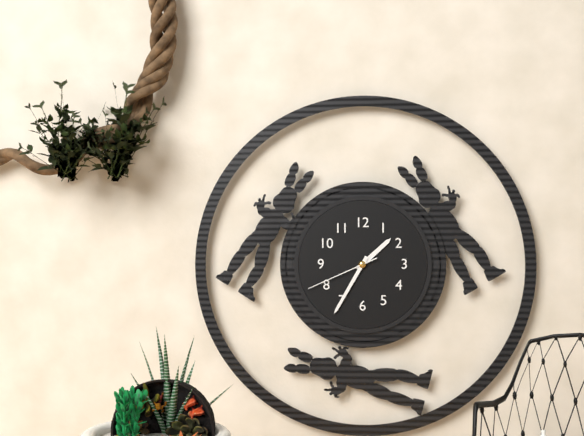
1:35:41
